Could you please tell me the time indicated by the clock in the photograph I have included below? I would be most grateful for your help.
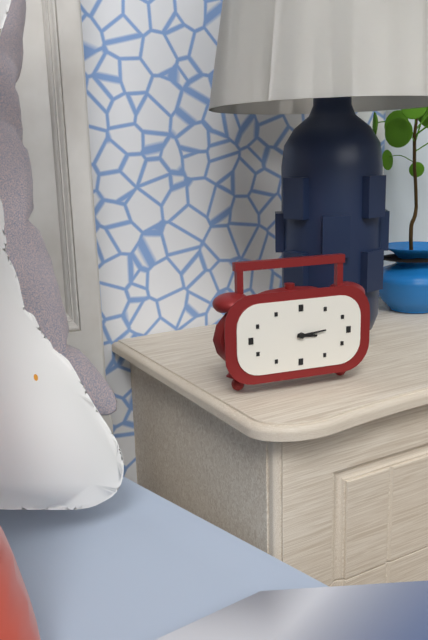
3:14
